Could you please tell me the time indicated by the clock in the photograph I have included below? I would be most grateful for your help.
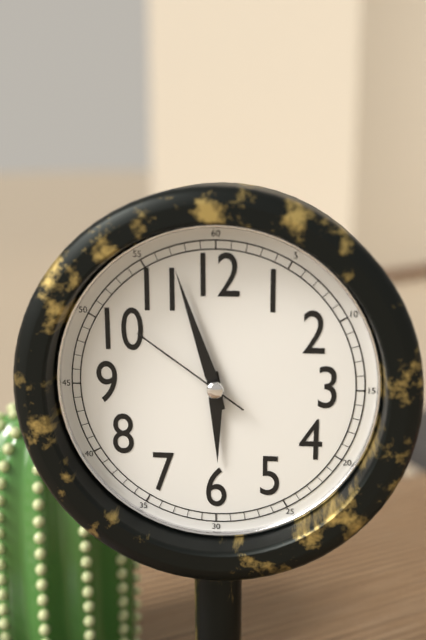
5:57:51
